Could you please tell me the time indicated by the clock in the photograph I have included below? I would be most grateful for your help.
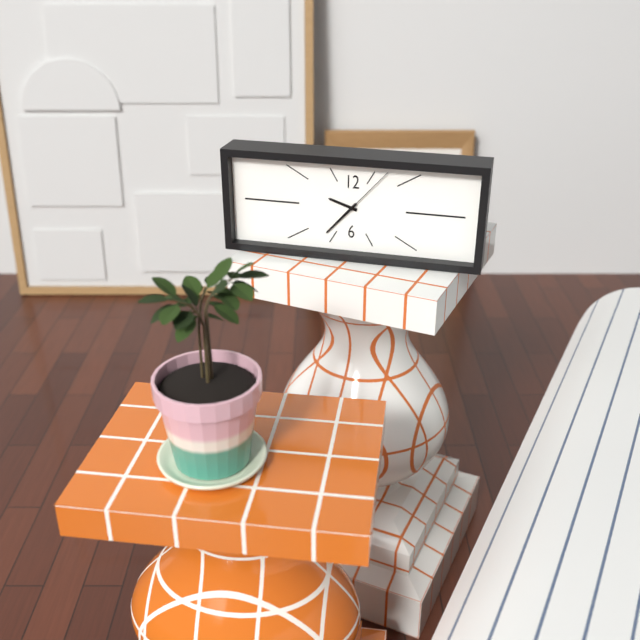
9:37:07
